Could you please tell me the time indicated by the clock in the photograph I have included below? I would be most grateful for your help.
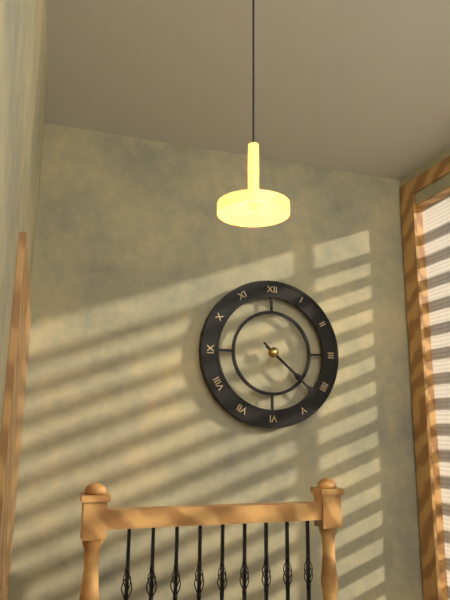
4:22
